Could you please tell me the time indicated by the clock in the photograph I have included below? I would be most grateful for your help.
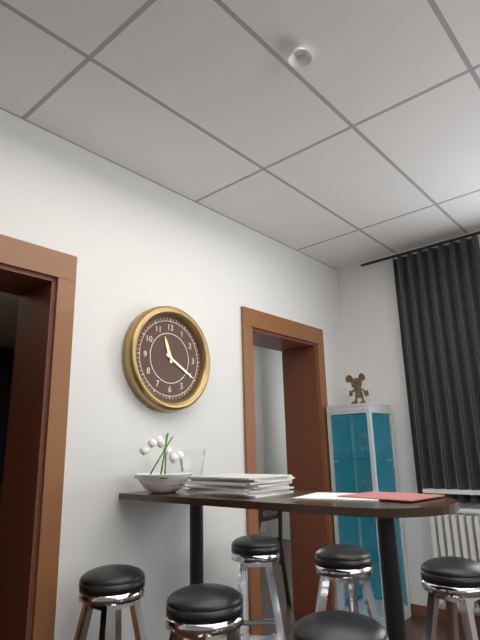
11:20
